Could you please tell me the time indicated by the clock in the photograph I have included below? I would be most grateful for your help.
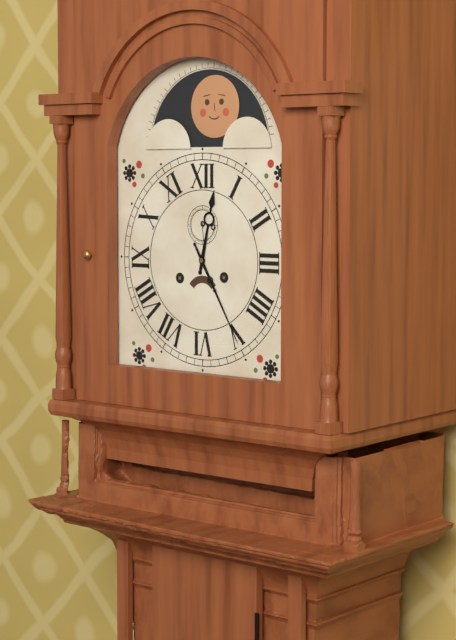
12:25
